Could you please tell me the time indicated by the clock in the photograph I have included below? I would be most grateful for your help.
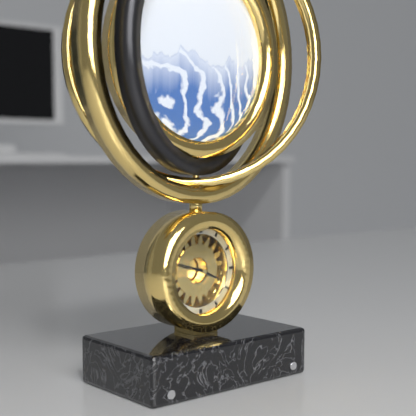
3:48
